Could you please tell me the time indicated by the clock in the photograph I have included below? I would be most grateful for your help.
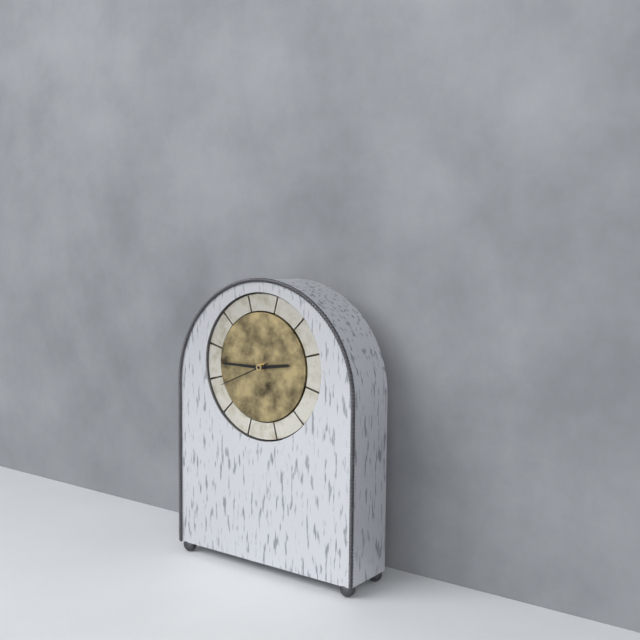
2:45:41
